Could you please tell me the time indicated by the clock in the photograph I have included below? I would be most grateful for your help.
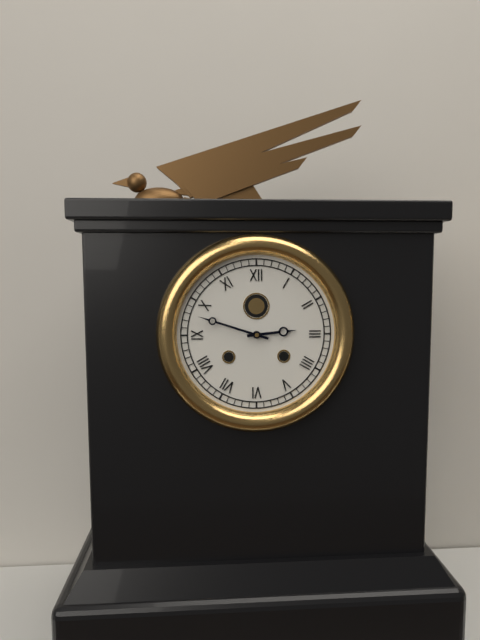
2:48
